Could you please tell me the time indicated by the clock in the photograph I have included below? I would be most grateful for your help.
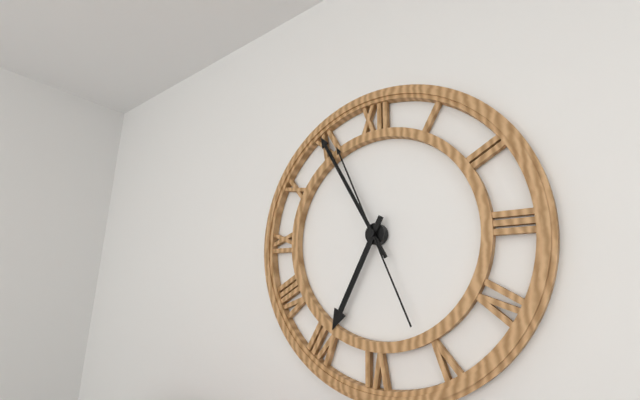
6:55:56
